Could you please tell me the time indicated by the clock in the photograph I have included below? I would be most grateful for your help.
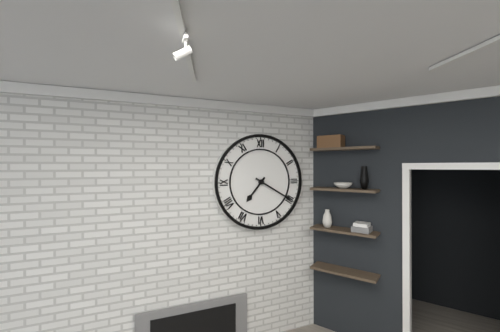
7:20
